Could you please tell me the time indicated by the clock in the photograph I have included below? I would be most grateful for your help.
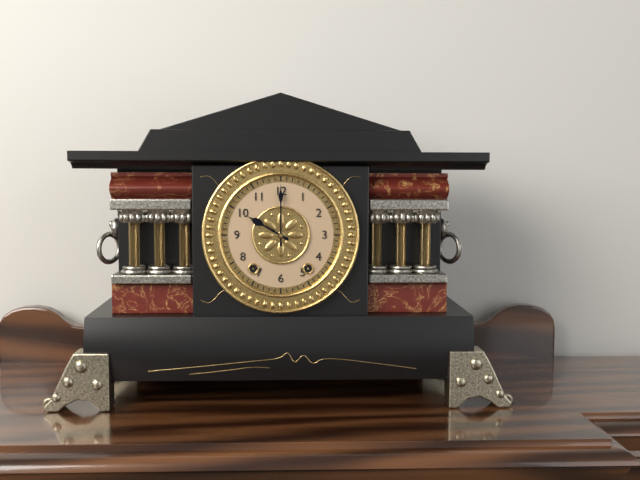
10:00
